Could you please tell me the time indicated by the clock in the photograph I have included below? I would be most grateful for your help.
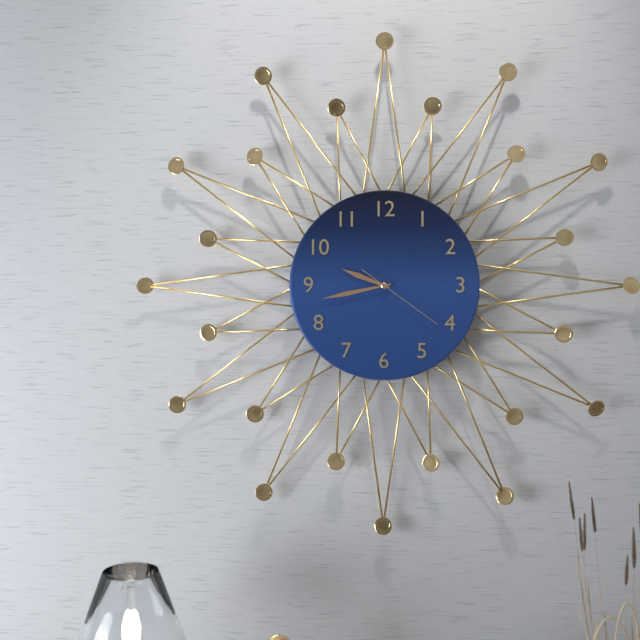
9:43:21
